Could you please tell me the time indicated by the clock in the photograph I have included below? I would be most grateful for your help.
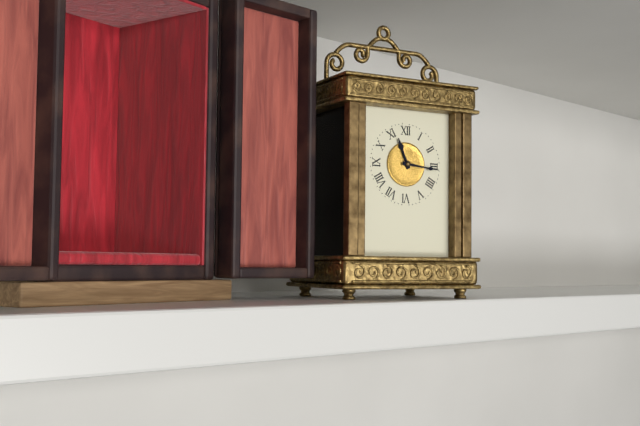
11:16
